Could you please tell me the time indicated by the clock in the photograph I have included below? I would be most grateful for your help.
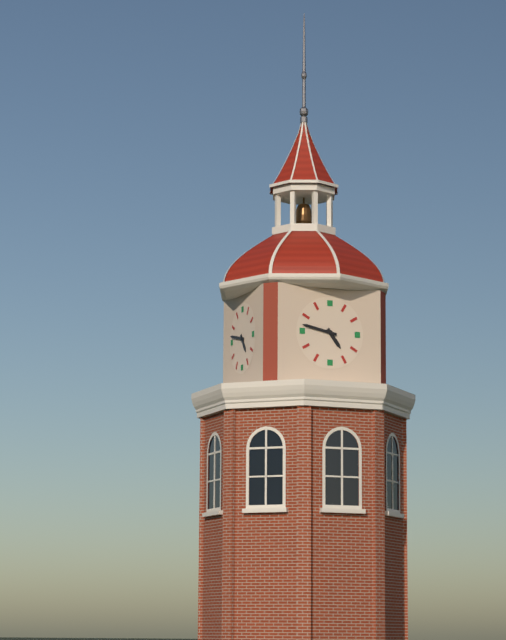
4:47
